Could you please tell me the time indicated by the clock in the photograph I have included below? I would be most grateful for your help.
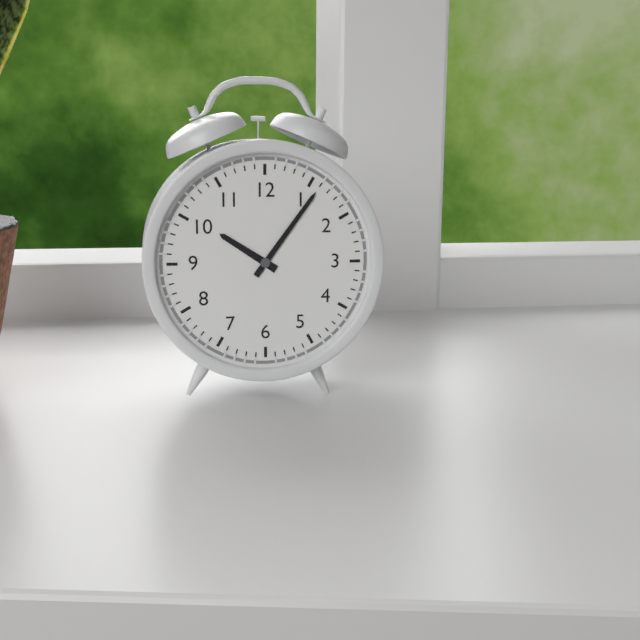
10:06
